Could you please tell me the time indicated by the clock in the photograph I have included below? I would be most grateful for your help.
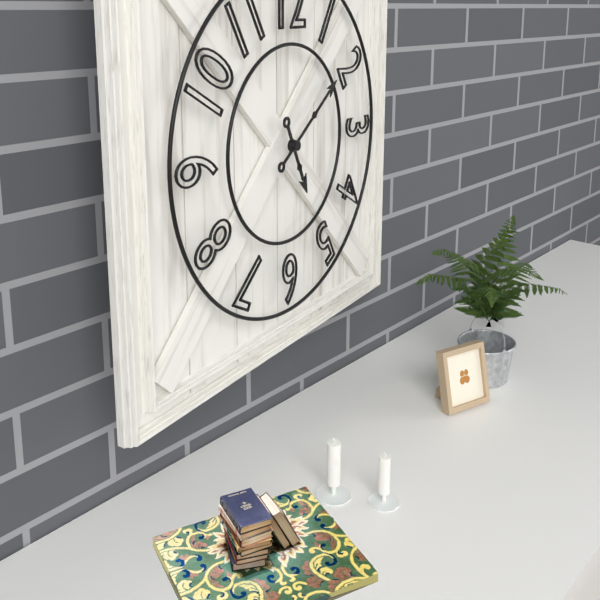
5:09
